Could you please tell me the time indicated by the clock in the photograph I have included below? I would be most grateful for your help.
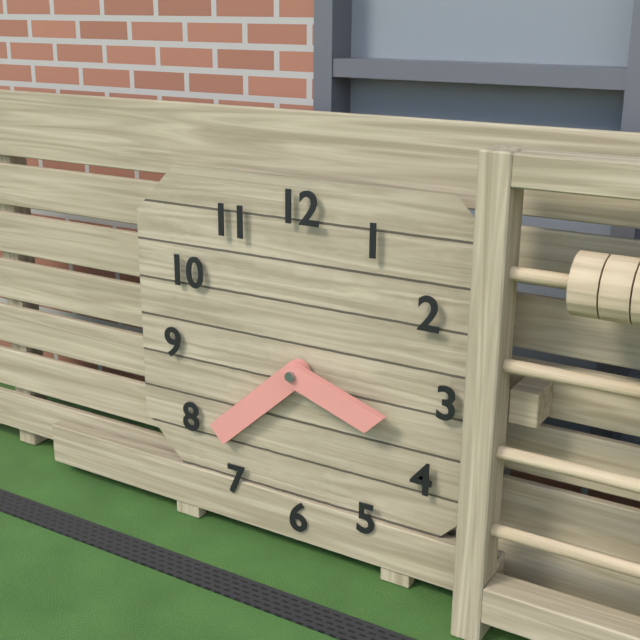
3:38
